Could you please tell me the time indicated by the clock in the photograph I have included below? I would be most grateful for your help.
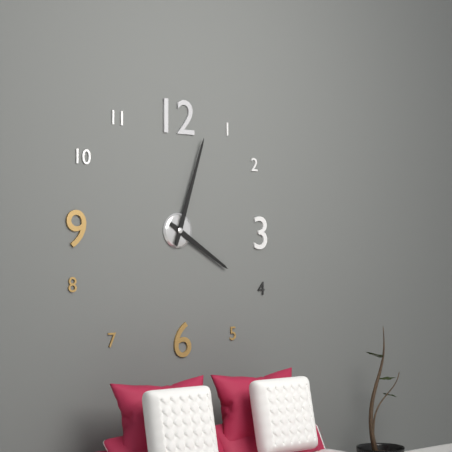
4:03
